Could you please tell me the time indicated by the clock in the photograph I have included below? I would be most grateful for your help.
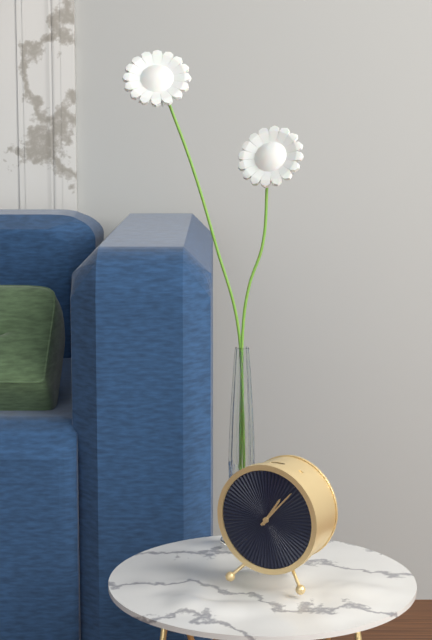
1:07
